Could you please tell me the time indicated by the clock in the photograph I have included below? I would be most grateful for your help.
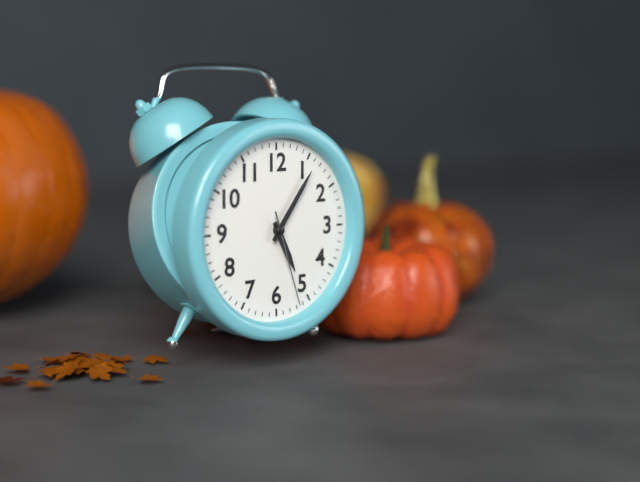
5:06:27
